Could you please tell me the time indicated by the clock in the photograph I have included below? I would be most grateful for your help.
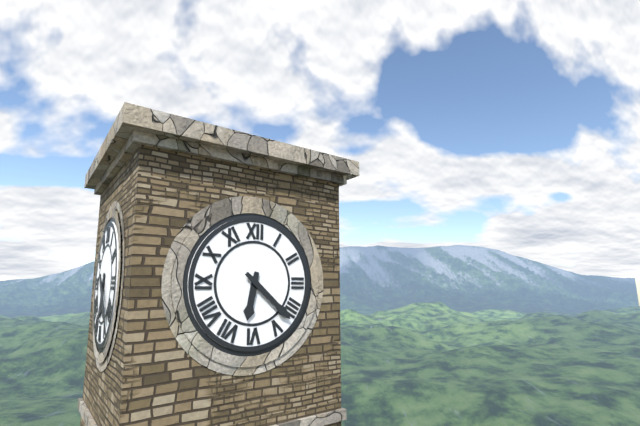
6:22
